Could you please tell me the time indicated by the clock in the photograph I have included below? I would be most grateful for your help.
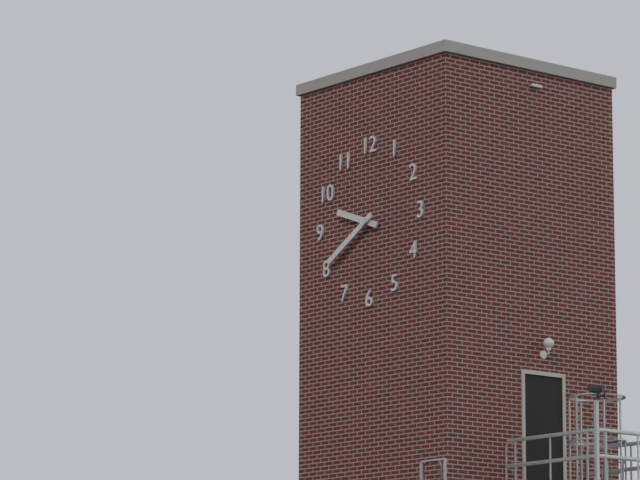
9:40
